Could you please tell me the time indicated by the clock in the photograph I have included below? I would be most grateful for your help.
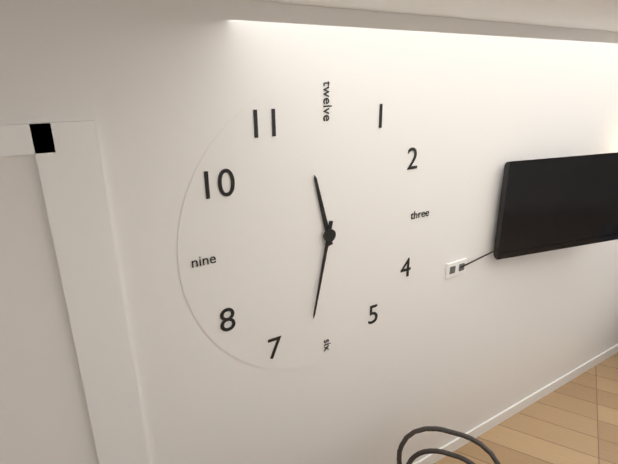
11:32
